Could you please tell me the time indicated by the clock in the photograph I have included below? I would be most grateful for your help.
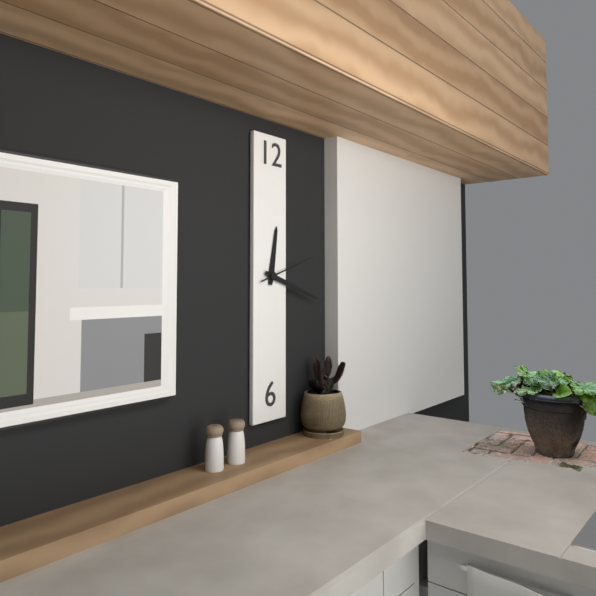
12:18:12
